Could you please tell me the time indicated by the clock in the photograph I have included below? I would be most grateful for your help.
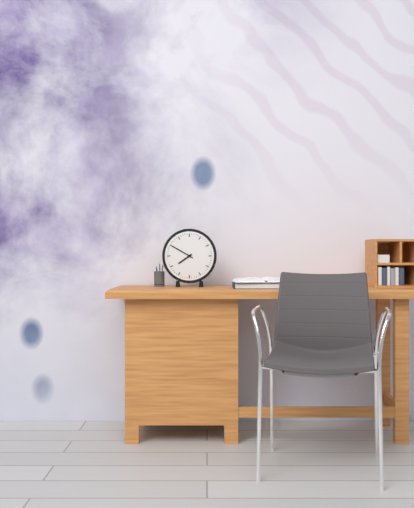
7:50
